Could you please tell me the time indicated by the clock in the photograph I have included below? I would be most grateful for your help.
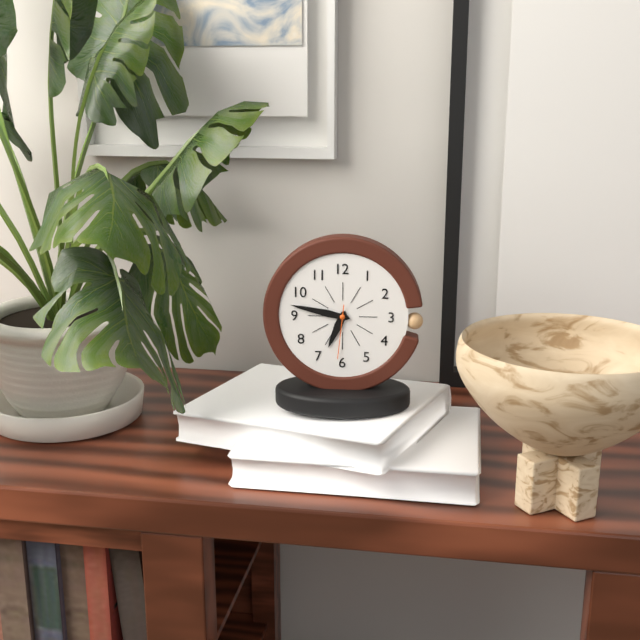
6:47:31
